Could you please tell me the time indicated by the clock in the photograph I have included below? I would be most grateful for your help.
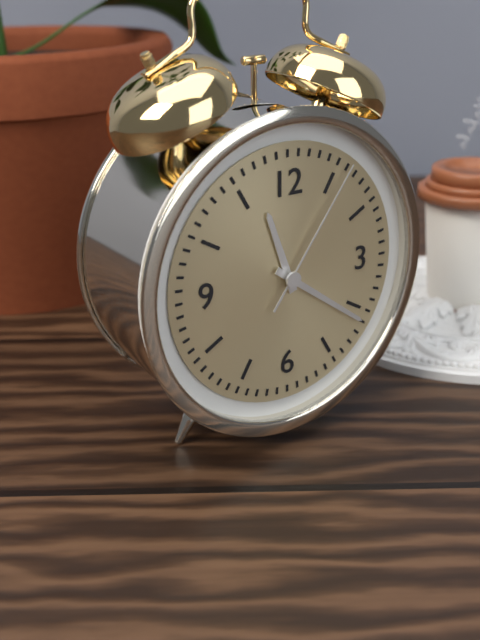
11:21:06
